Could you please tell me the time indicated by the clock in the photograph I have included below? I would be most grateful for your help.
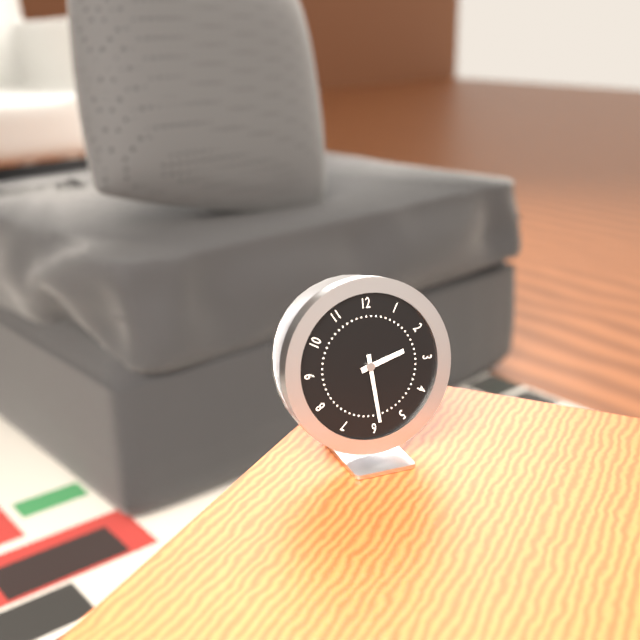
2:29
